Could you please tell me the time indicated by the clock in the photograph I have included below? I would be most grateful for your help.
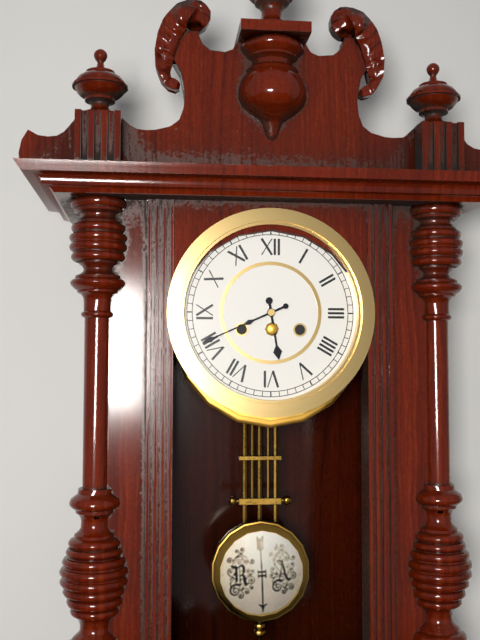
5:41
